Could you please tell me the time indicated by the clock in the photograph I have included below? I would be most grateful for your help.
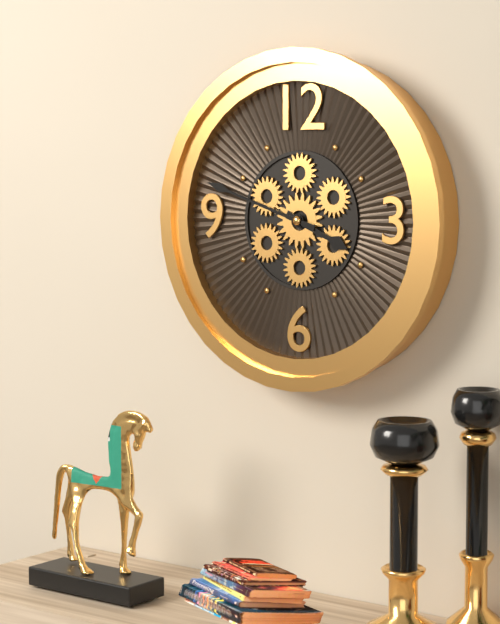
3:48
